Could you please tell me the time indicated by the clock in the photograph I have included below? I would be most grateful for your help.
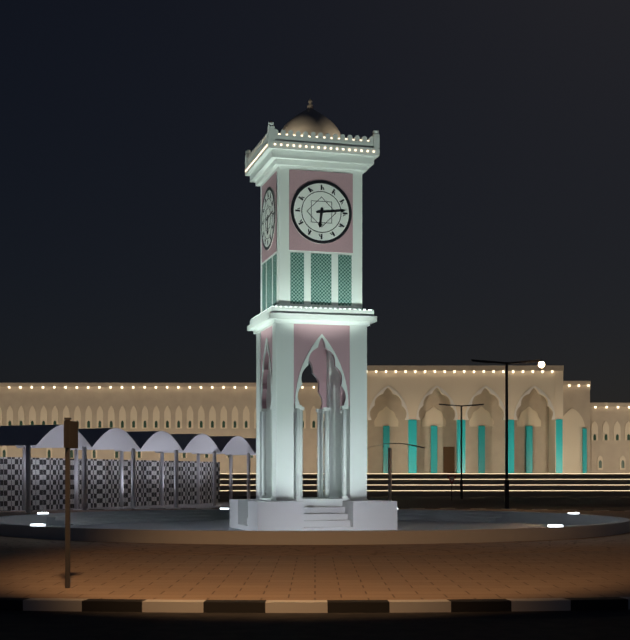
6:14
